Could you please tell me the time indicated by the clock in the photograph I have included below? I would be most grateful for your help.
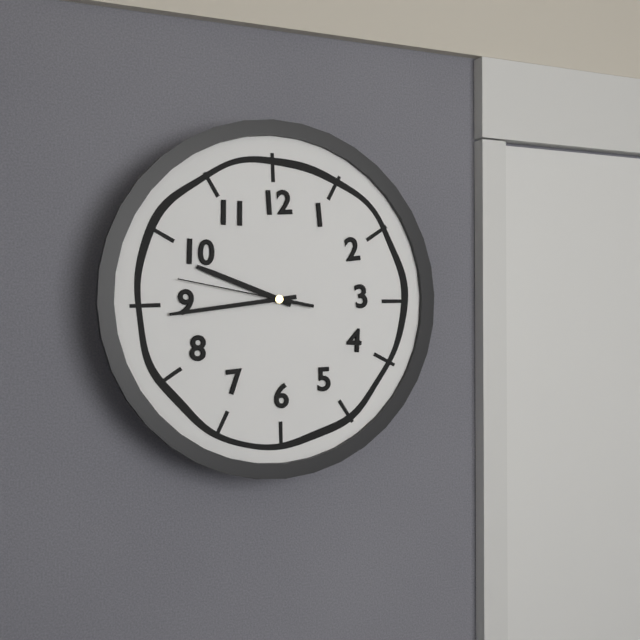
9:44:47
